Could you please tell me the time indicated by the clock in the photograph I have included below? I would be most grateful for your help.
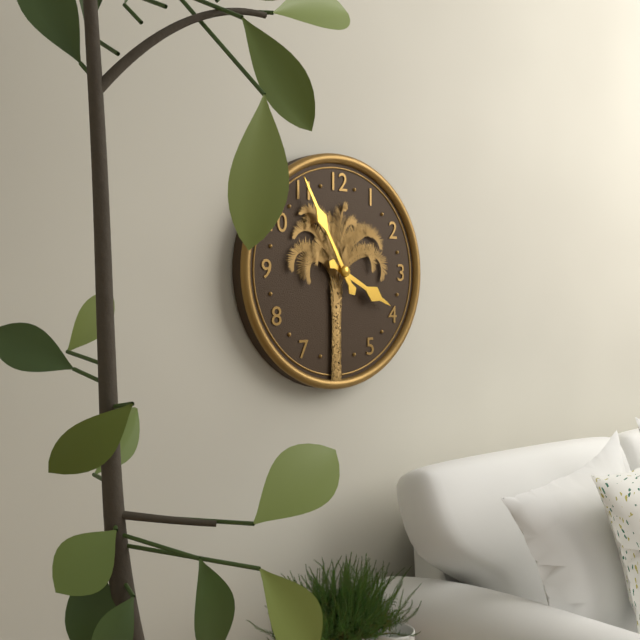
3:55
